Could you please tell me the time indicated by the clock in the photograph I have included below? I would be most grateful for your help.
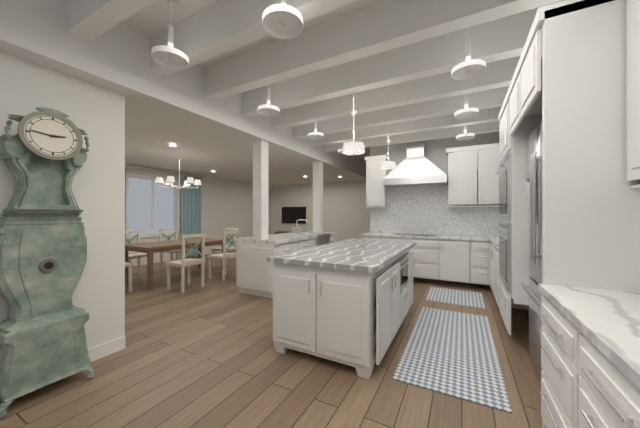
2:46
